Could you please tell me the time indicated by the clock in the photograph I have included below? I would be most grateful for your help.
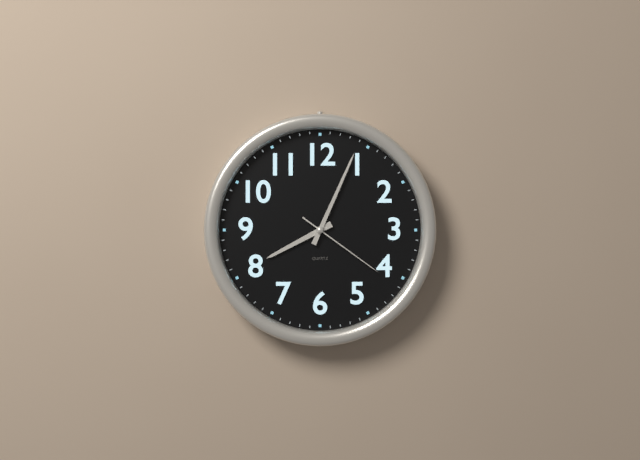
8:04:21
